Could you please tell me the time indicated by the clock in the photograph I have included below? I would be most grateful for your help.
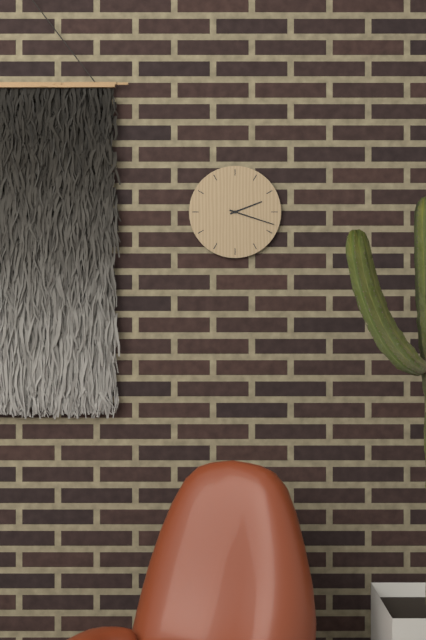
2:18
